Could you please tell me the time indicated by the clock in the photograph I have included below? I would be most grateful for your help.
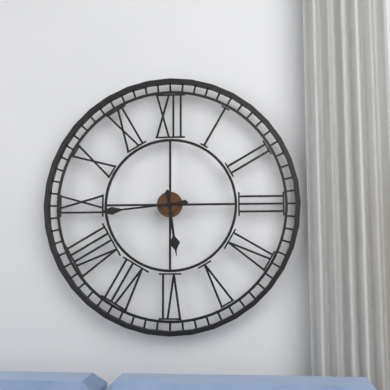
5:44
